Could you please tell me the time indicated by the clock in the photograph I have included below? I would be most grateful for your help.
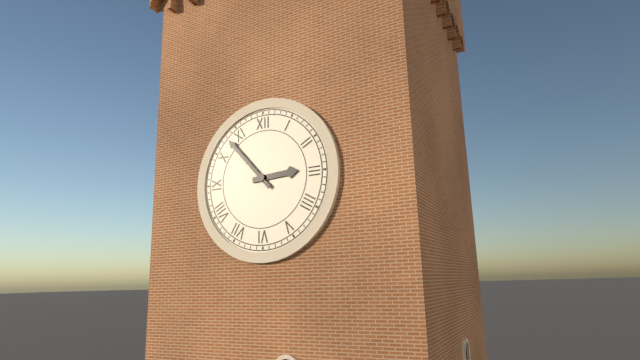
2:53
